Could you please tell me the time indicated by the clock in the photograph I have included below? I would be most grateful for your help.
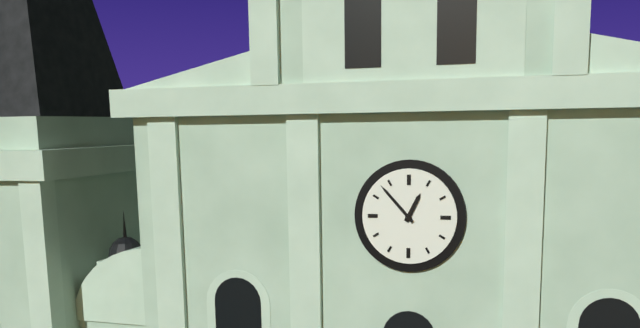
12:53
